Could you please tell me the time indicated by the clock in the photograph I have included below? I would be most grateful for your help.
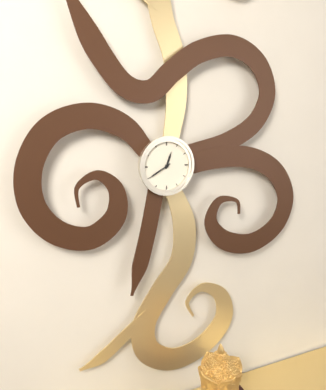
12:40
